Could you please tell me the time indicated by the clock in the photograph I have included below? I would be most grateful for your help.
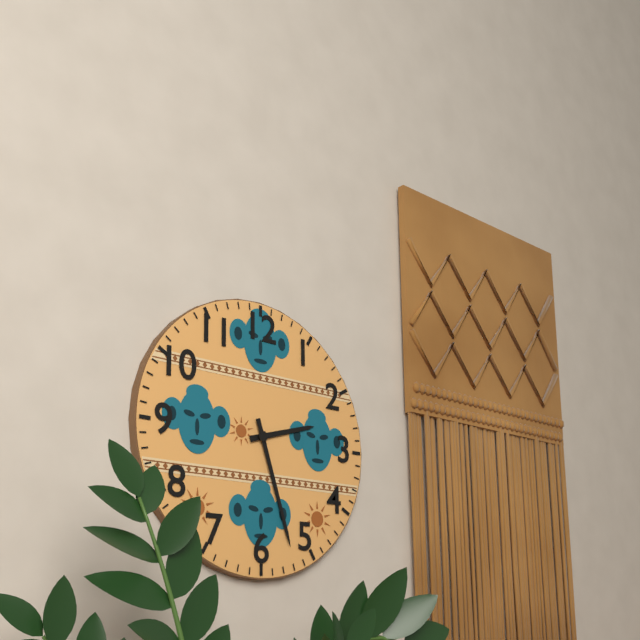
2:27
